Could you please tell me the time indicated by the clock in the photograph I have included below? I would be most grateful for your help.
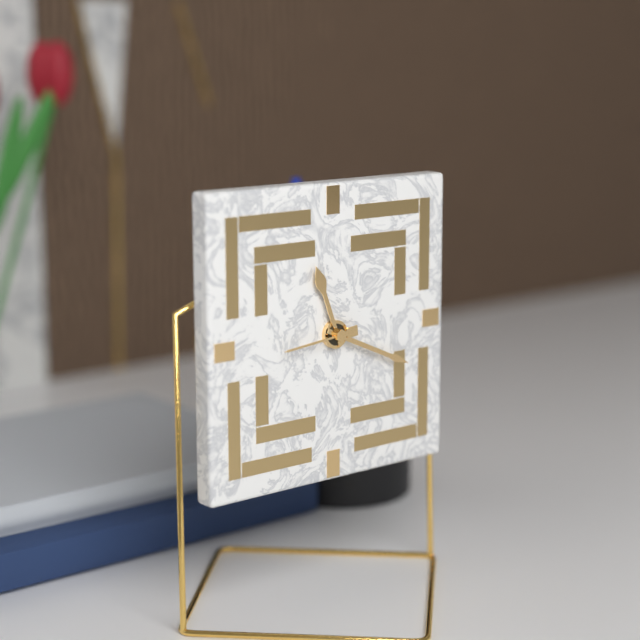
11:19:44
